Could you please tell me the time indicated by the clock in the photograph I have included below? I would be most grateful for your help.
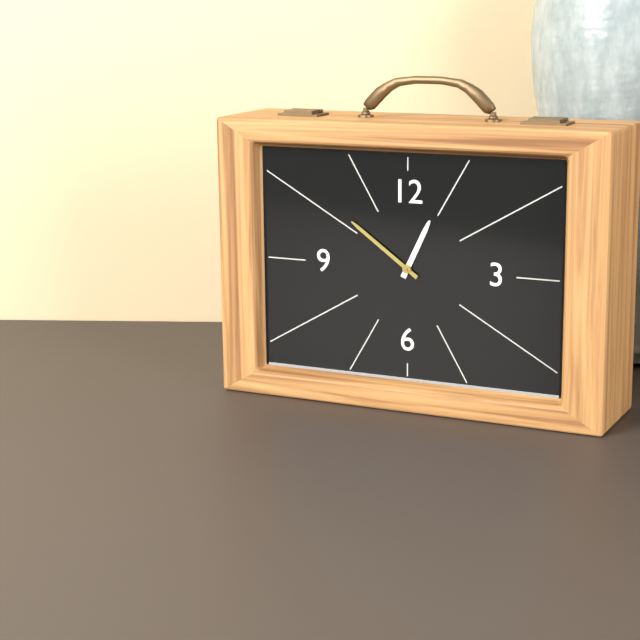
12:51
